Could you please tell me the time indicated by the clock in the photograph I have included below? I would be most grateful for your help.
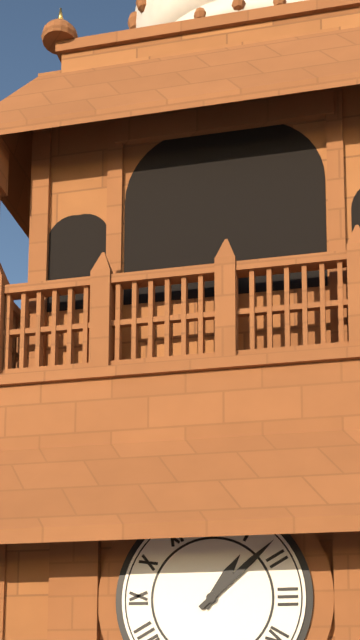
1:08
